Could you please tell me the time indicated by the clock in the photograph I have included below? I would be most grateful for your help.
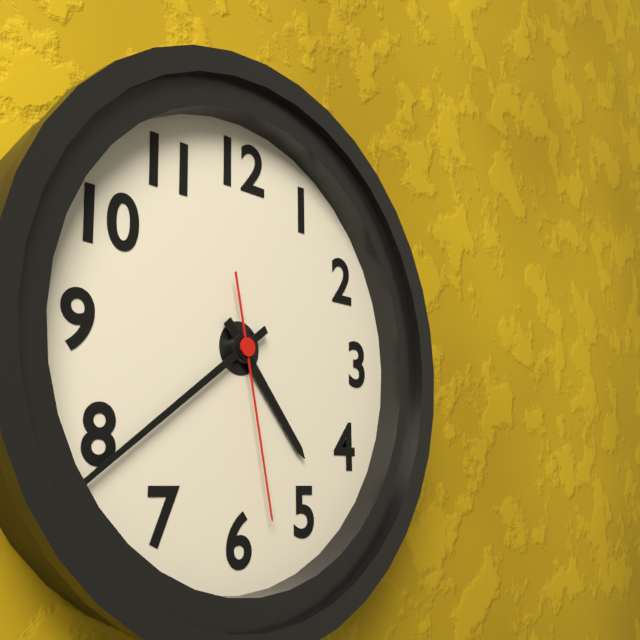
4:39:28
